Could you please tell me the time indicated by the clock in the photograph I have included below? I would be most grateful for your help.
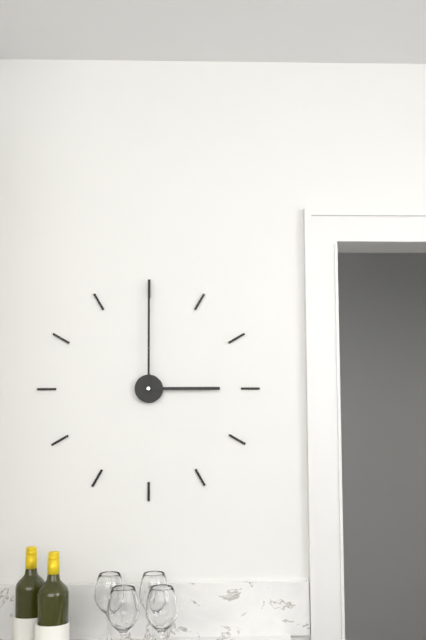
3:00
